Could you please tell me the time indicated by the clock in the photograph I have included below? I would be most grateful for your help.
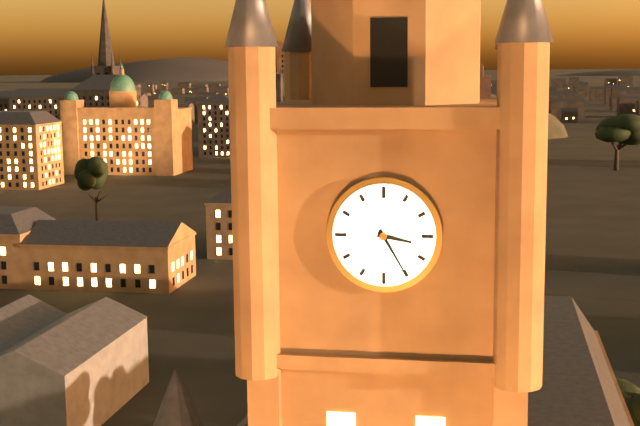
3:25
